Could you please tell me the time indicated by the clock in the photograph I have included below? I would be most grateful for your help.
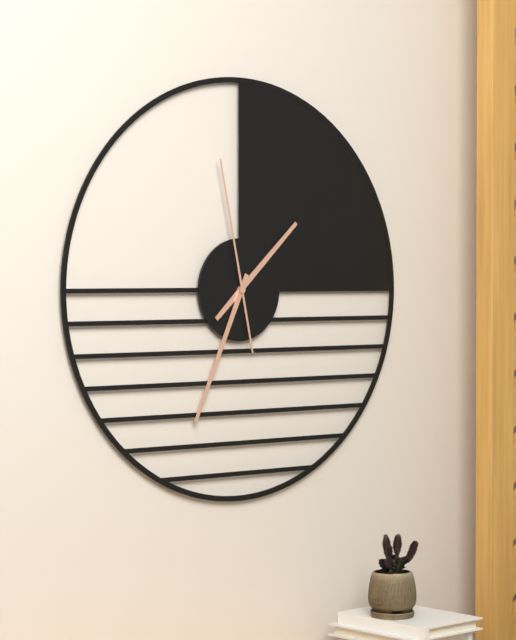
1:34:58
